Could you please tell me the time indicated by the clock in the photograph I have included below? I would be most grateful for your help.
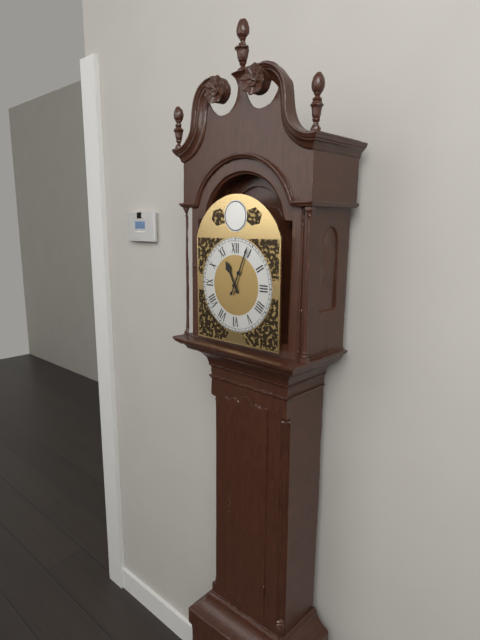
11:04
